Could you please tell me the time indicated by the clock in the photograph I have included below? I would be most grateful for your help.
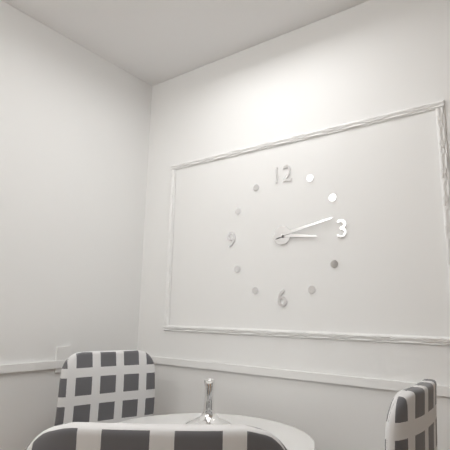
3:13
